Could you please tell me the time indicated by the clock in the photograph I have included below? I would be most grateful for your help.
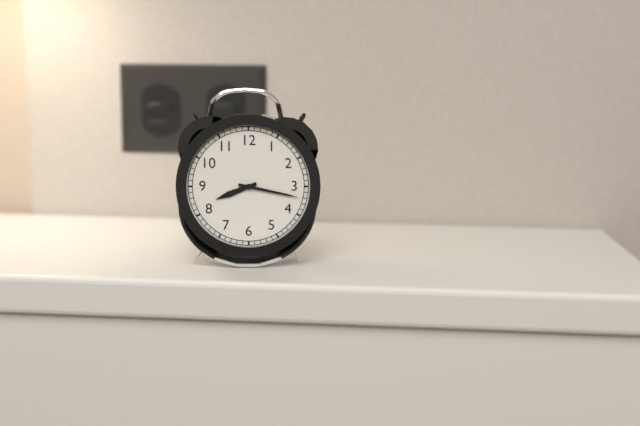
8:17
